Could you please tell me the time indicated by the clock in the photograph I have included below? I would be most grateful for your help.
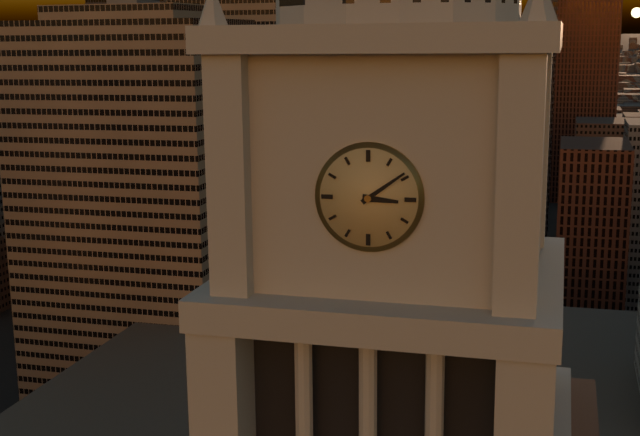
3:09
